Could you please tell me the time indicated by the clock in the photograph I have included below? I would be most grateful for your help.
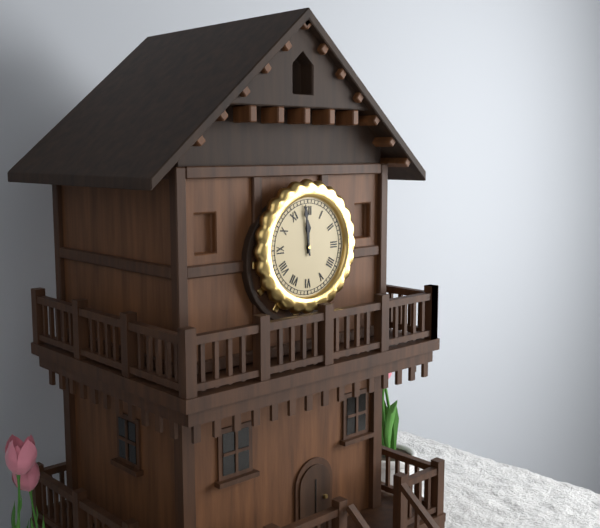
11:59
